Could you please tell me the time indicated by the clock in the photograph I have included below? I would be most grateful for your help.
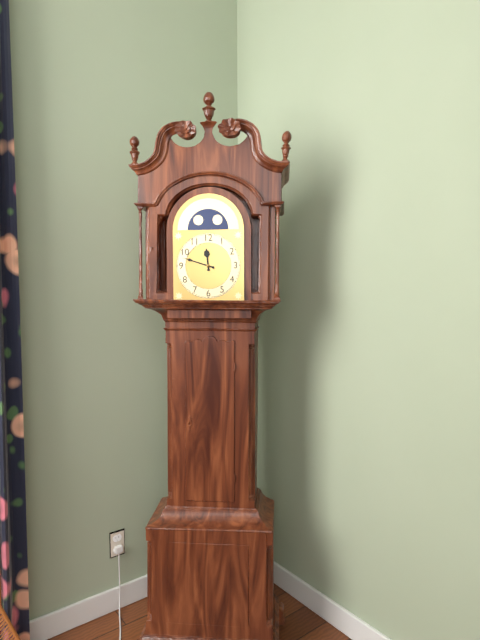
11:48
